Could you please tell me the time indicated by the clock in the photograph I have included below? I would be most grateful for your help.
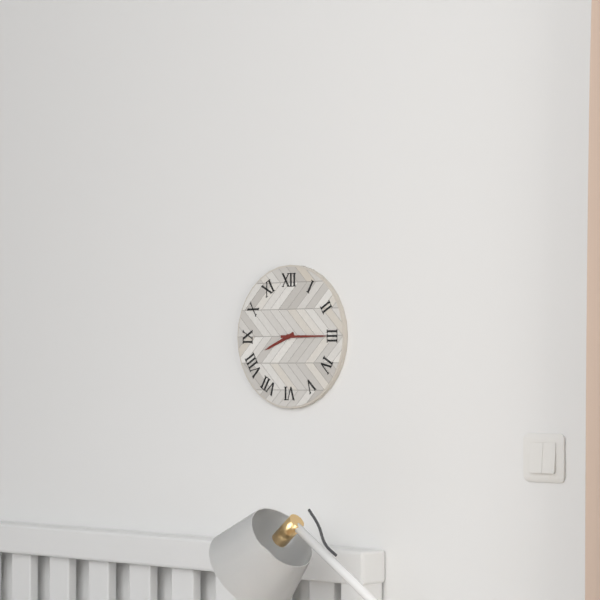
8:15
